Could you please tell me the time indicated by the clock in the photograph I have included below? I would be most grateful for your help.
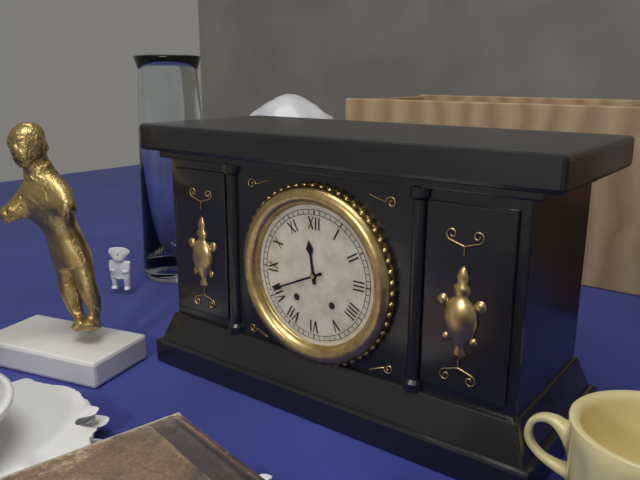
11:41
